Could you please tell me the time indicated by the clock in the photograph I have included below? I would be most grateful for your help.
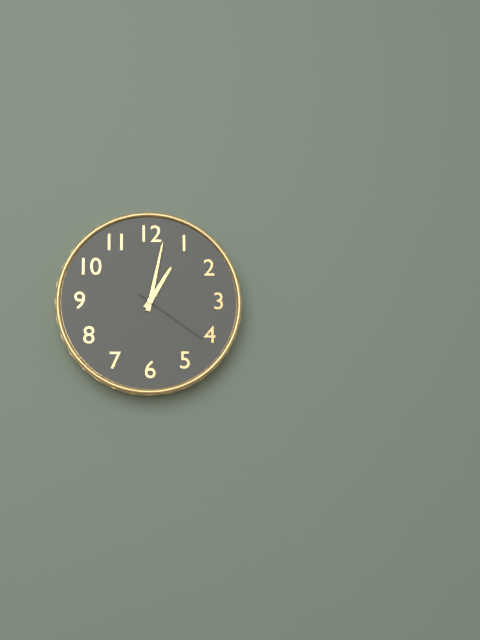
1:02:21
